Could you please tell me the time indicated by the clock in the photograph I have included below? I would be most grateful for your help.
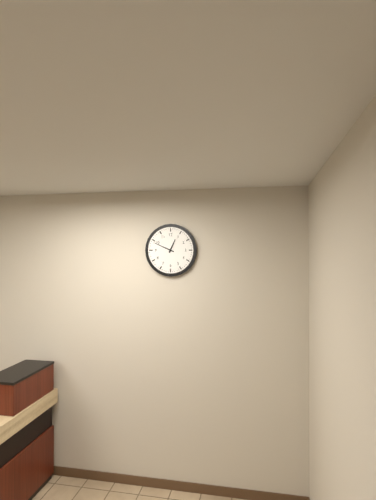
12:49
